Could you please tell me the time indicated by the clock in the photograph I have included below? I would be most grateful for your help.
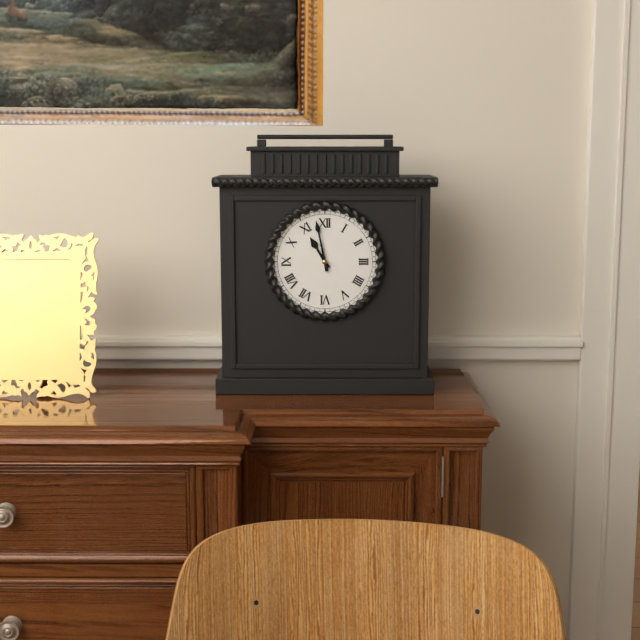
10:58
